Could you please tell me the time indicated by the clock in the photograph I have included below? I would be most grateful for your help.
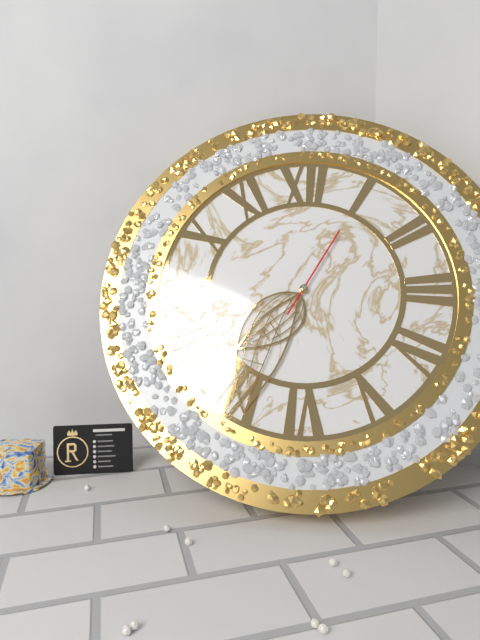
7:34:05
